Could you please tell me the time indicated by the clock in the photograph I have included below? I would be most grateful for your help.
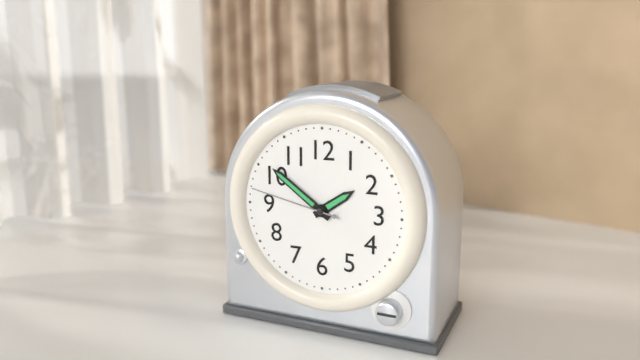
1:51:47
